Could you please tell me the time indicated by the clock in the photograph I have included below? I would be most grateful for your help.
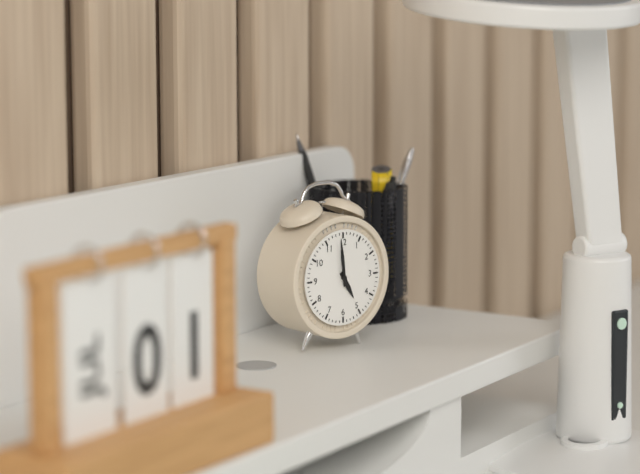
4:59
